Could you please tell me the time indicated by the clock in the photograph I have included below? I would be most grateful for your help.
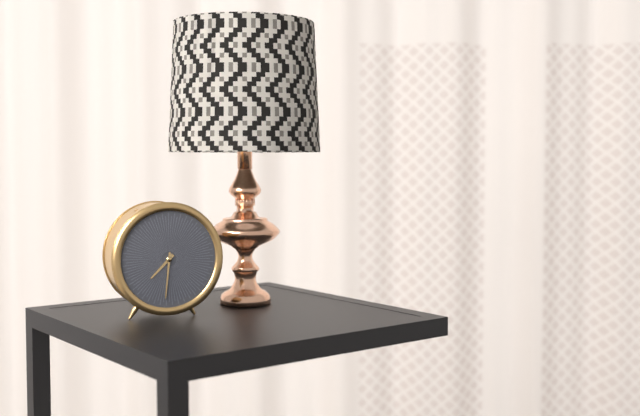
7:31
